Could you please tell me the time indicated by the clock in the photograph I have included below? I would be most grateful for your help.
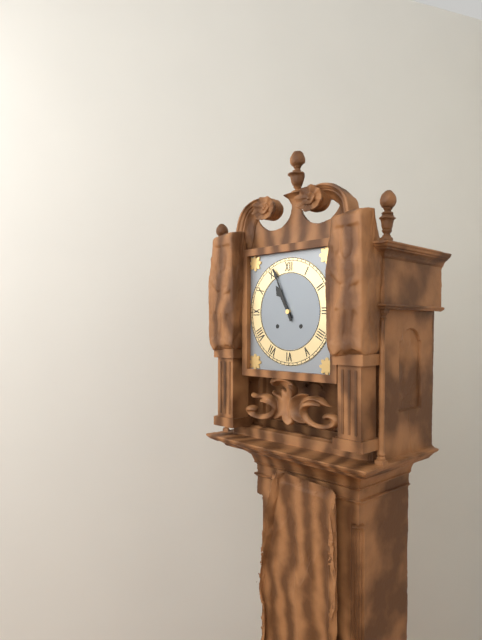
10:56
